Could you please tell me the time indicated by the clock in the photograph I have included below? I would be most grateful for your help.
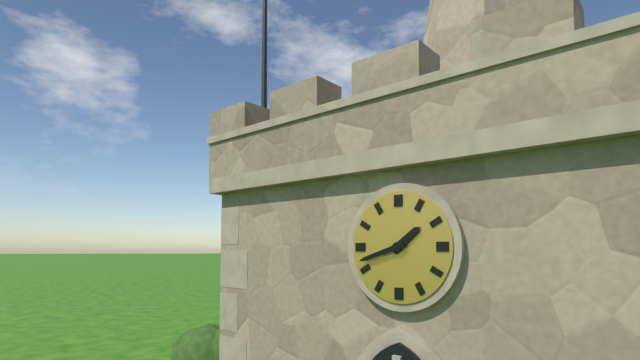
1:42
